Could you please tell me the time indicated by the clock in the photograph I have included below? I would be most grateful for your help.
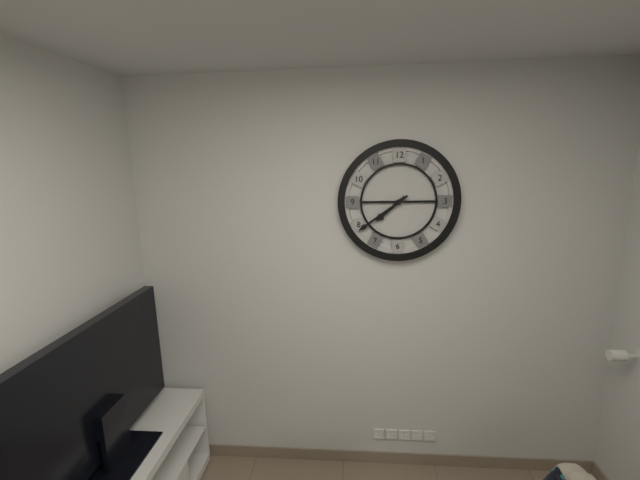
7:39
